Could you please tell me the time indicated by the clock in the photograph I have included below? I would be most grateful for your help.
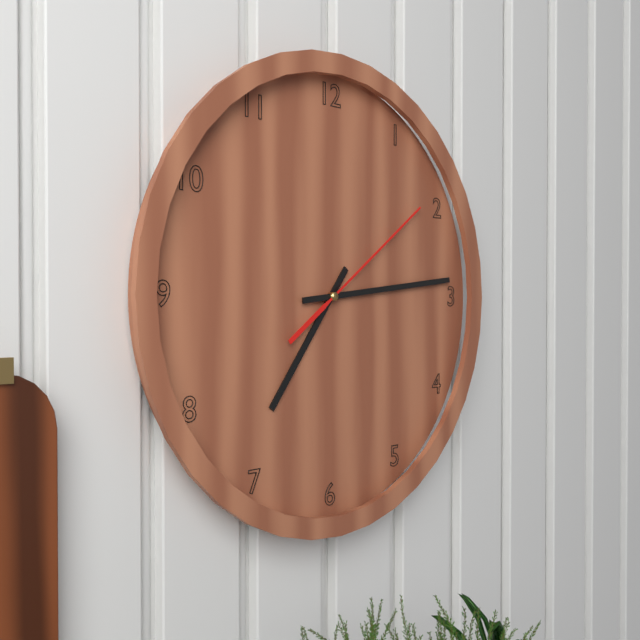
7:14:09
